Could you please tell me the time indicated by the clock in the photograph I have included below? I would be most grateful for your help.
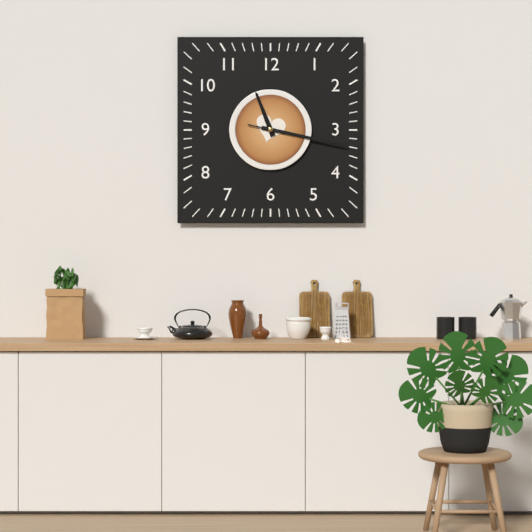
11:17:17
